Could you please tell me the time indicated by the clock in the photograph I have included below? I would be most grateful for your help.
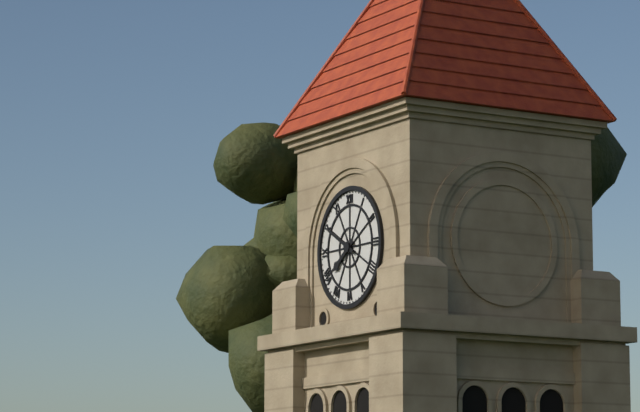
7:50
